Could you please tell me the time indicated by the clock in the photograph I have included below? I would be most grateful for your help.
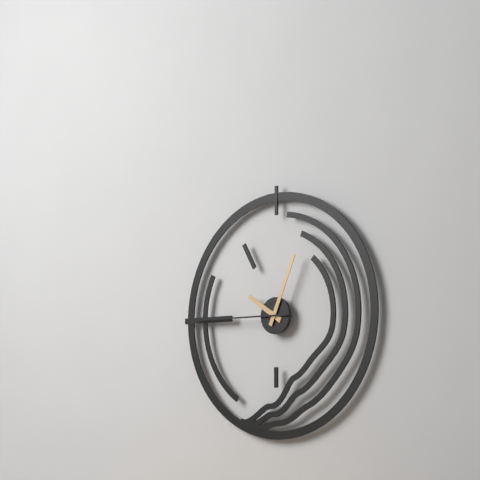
10:04:45
